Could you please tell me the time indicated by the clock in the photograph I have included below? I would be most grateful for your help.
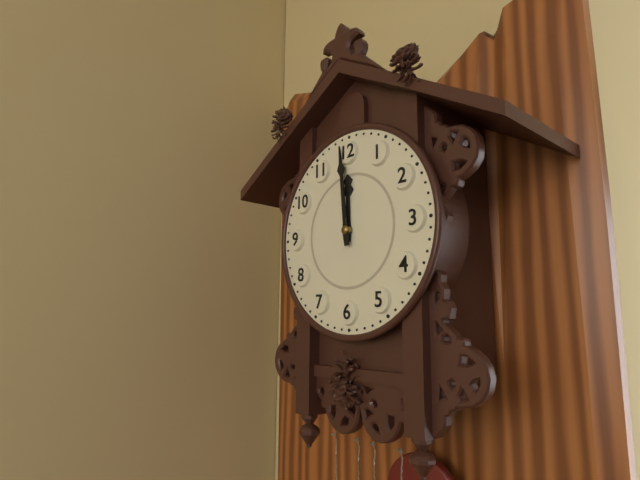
11:59
